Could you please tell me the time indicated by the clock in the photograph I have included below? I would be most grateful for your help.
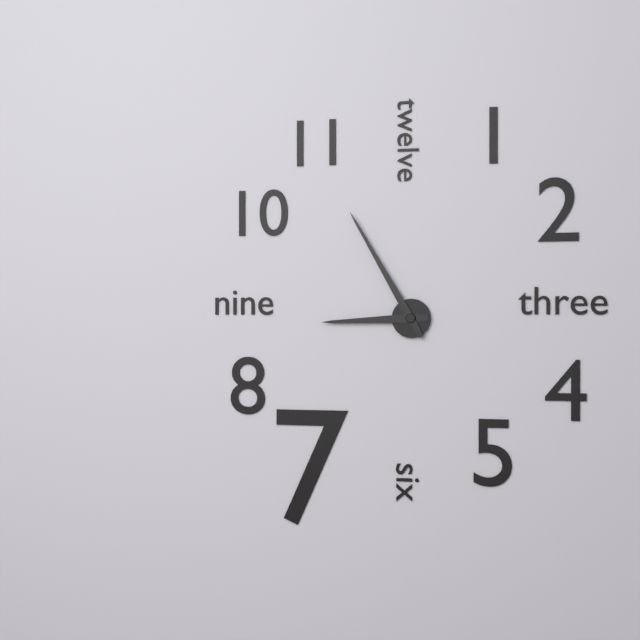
8:55
